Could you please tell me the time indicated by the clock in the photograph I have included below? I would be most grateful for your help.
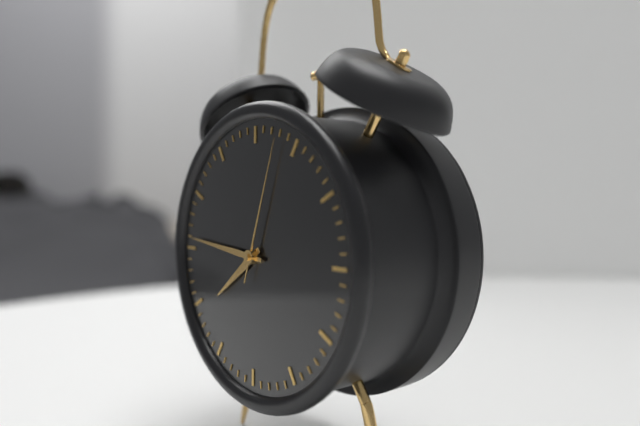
7:46:03
